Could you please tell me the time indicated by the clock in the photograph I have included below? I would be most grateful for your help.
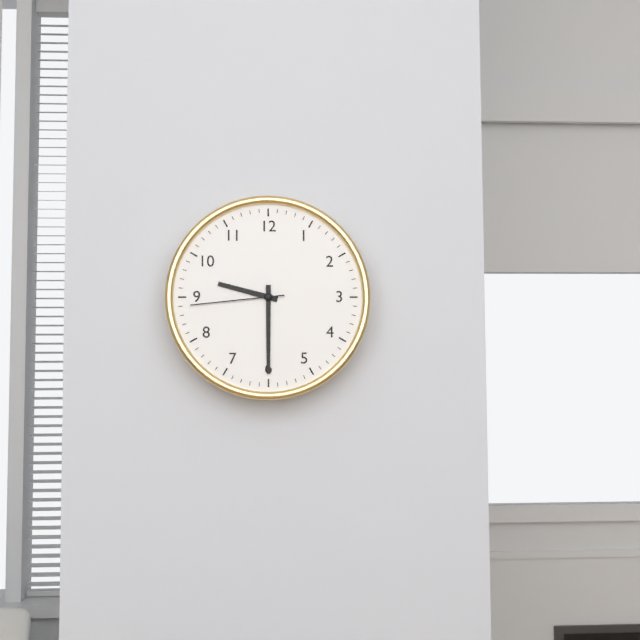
9:30:44
